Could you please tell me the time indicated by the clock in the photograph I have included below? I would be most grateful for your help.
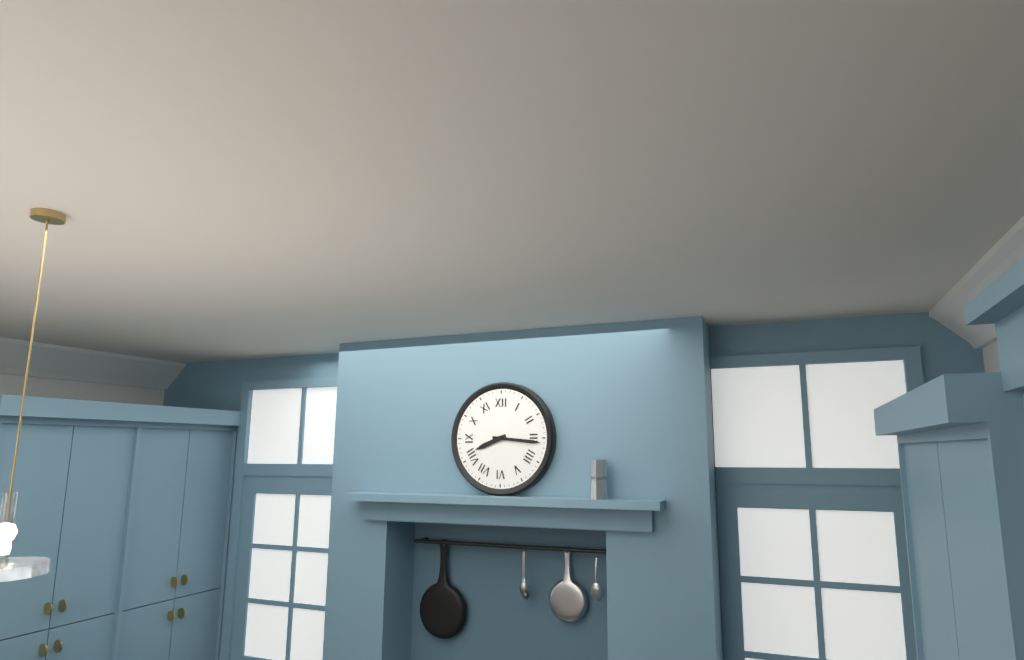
8:16
